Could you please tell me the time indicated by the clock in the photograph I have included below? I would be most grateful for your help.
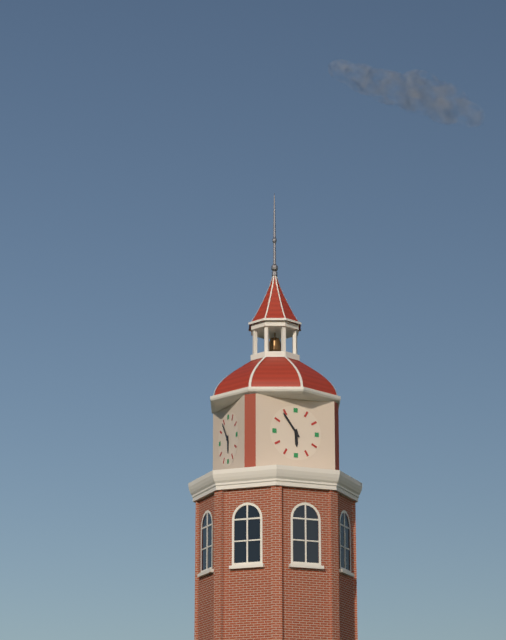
5:54
